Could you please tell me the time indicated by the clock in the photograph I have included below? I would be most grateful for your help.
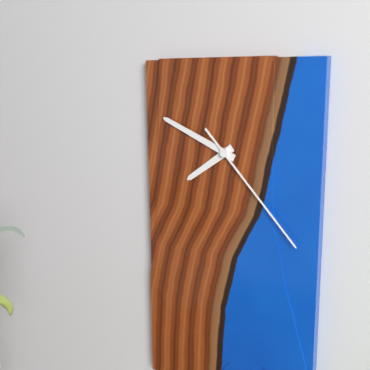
7:49:23
